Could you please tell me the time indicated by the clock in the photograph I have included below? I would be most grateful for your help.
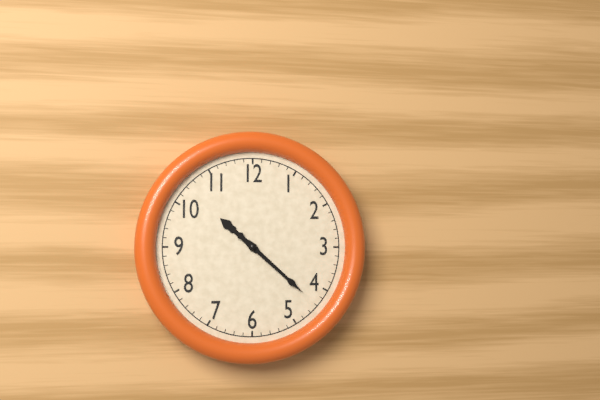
10:22
